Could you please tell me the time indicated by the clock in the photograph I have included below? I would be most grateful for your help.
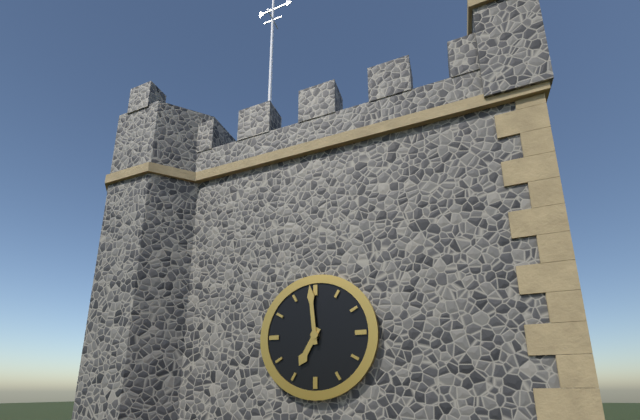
6:59
